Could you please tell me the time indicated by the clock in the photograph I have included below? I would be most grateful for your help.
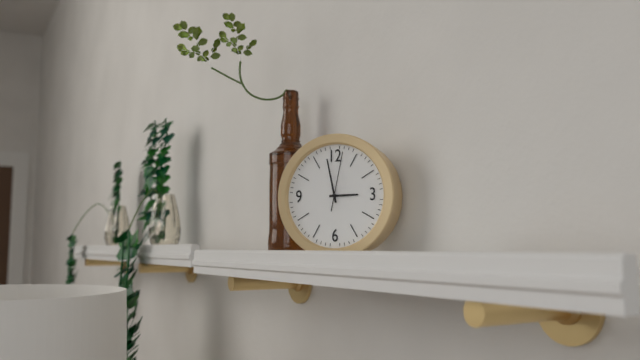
2:58:02
